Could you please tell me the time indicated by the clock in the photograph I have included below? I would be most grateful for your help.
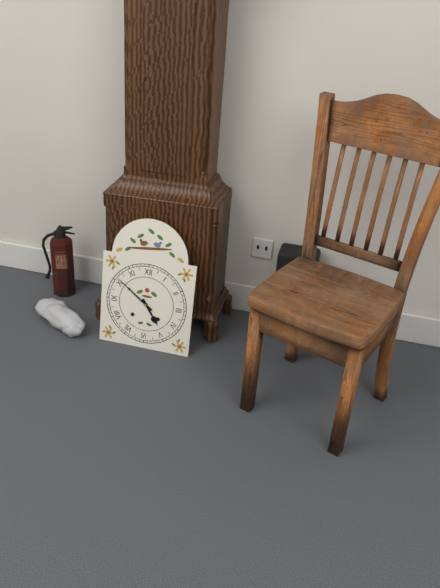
4:51
